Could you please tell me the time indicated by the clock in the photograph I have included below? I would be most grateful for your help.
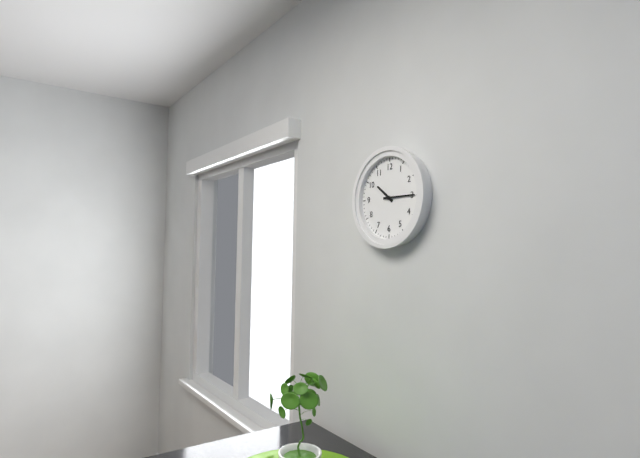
10:15
